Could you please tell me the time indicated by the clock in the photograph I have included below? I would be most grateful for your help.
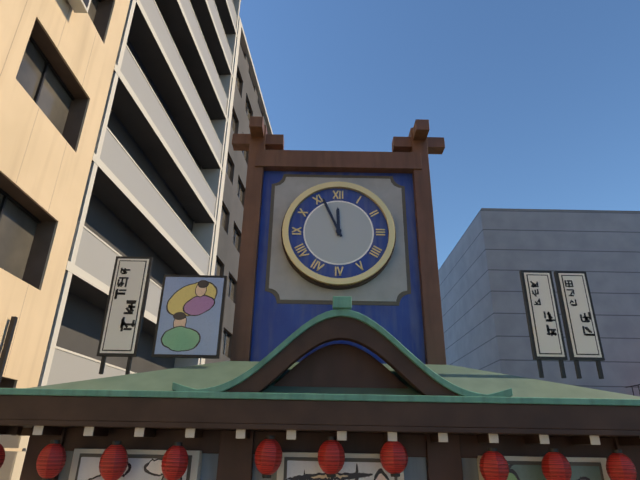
11:56
